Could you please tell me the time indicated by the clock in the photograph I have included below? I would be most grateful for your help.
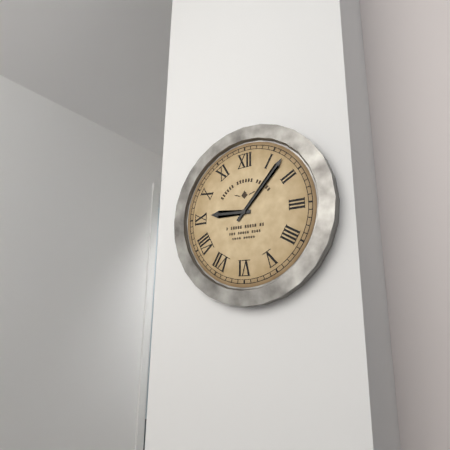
9:07
